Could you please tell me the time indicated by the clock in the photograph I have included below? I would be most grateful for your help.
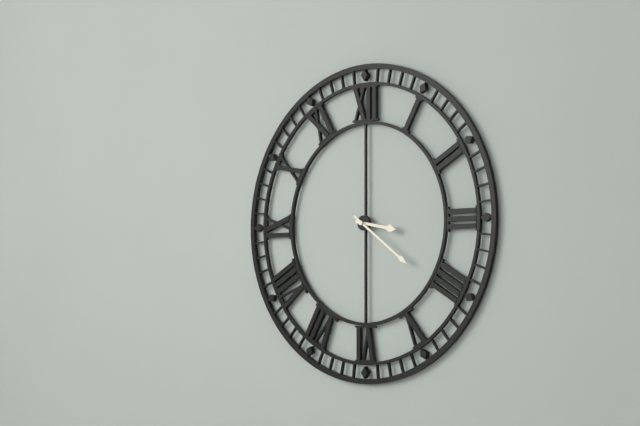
3:21
